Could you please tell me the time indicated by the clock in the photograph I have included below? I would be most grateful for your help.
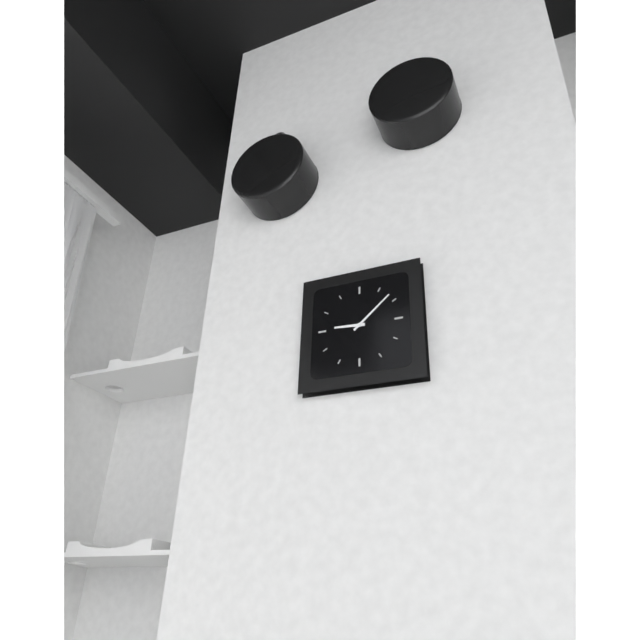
9:08
